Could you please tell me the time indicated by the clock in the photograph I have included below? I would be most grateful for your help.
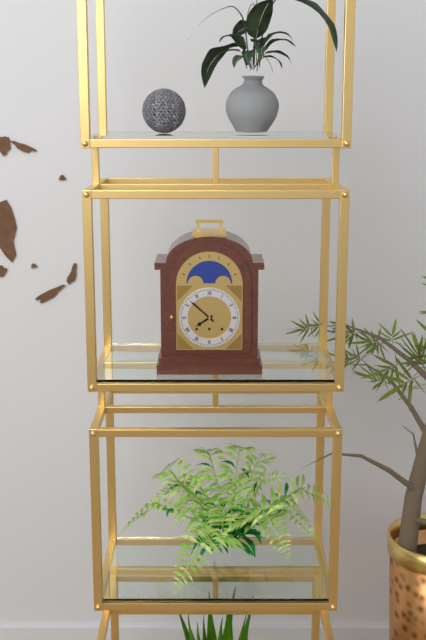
7:52
